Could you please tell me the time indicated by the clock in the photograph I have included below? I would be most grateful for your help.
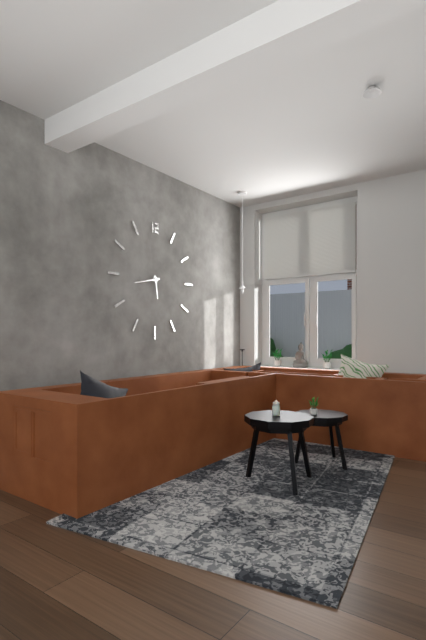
5:43
